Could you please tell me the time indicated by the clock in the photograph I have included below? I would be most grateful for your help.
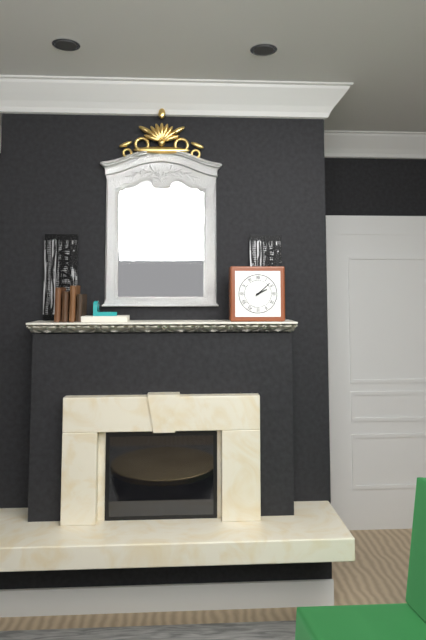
2:08
